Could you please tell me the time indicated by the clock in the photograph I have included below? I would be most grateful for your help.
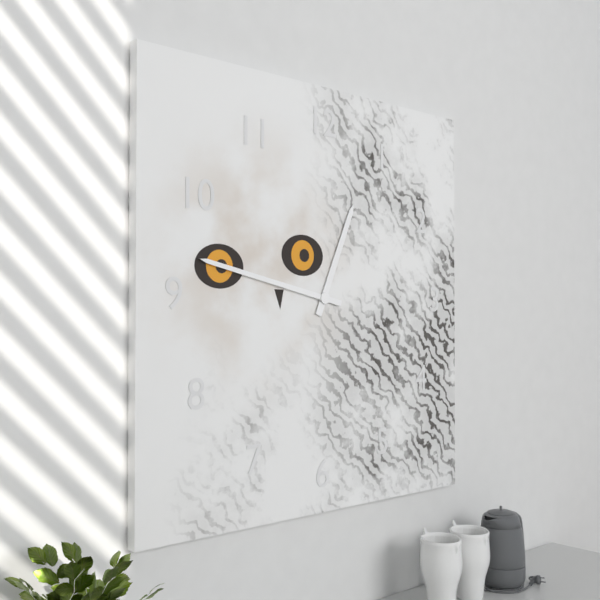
12:47
